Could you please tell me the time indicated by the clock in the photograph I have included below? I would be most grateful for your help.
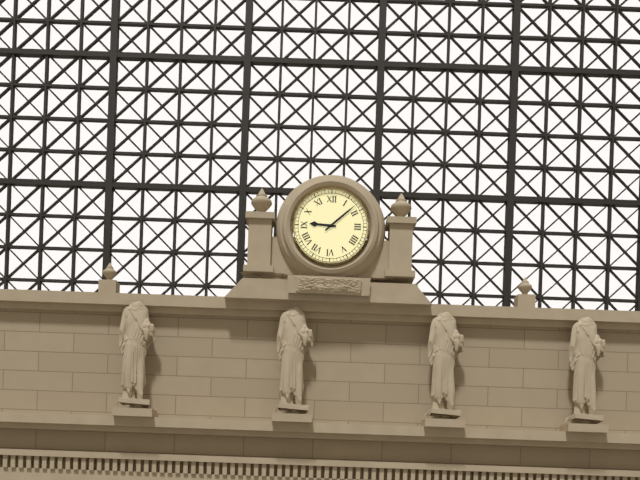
9:08
